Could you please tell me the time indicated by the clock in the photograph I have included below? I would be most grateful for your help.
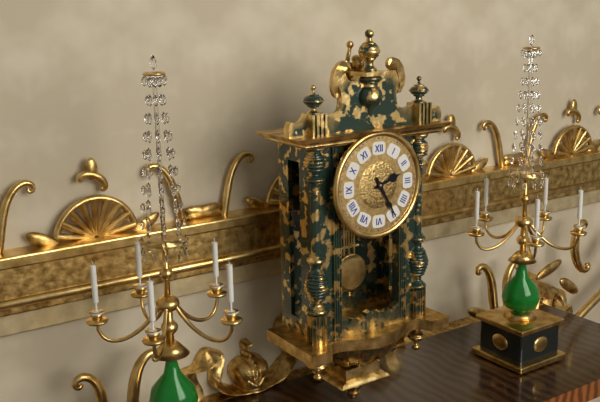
2:25
